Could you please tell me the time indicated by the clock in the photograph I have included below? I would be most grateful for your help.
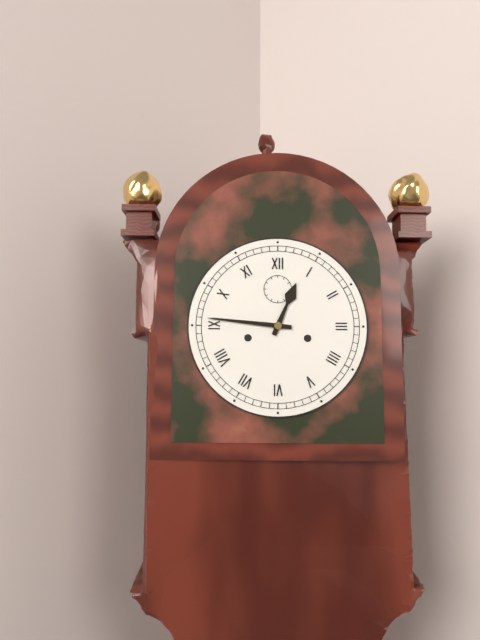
12:46
